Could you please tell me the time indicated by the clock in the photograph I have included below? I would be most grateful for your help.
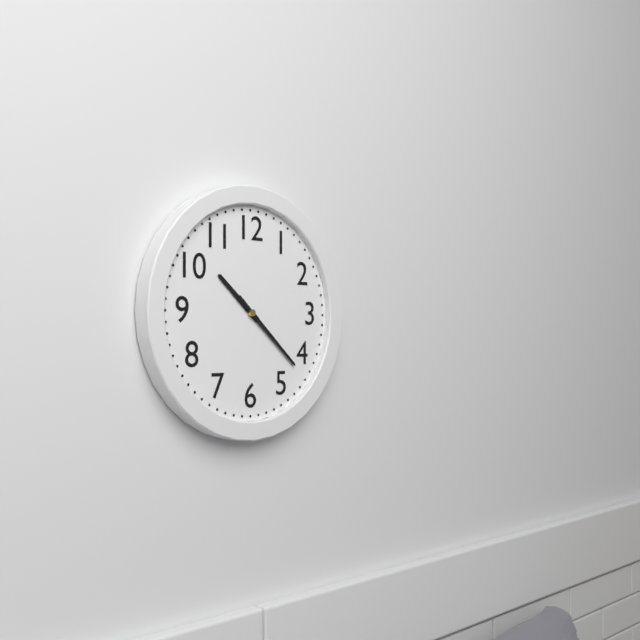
10:22
